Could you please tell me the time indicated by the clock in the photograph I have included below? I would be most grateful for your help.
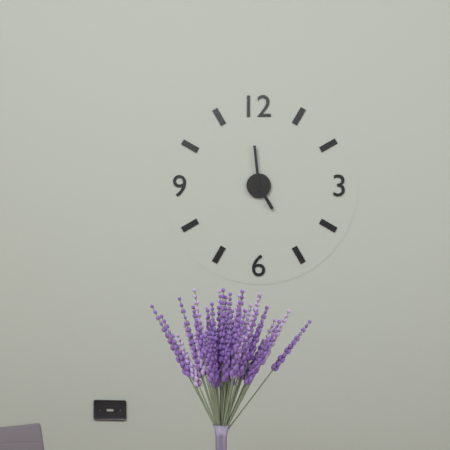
4:59
